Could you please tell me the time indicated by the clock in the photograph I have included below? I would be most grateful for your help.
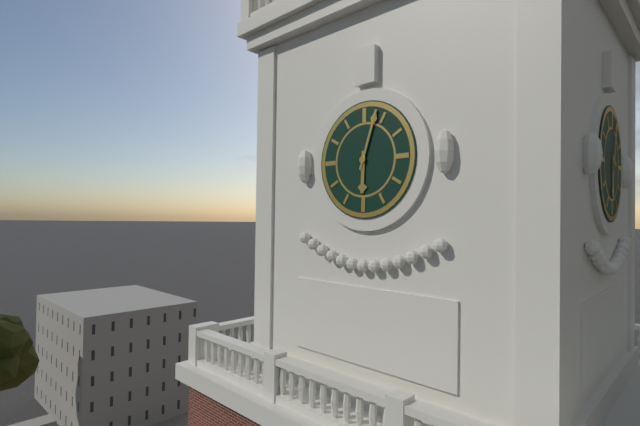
6:03
